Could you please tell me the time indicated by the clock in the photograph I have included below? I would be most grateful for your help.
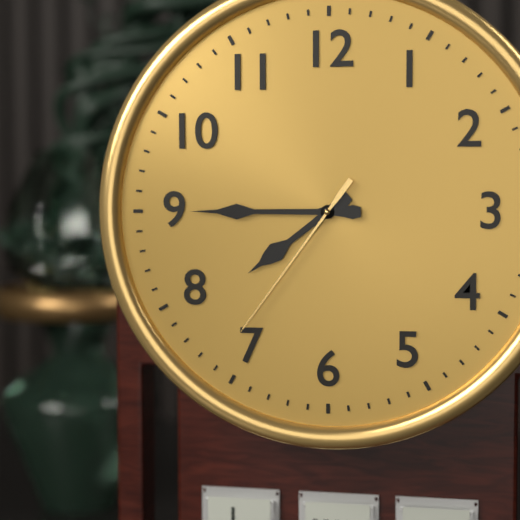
7:45:36
